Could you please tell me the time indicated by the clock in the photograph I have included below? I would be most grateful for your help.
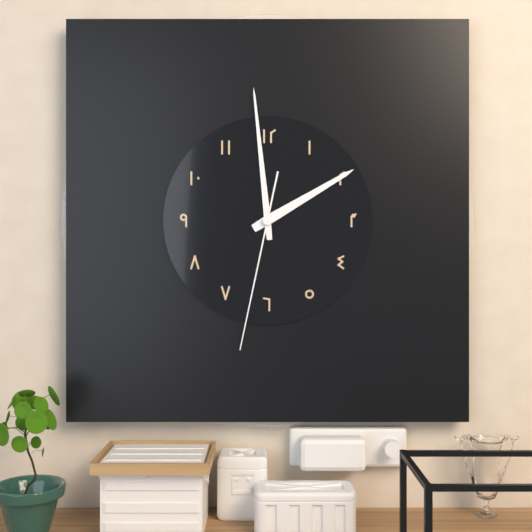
1:59:32
